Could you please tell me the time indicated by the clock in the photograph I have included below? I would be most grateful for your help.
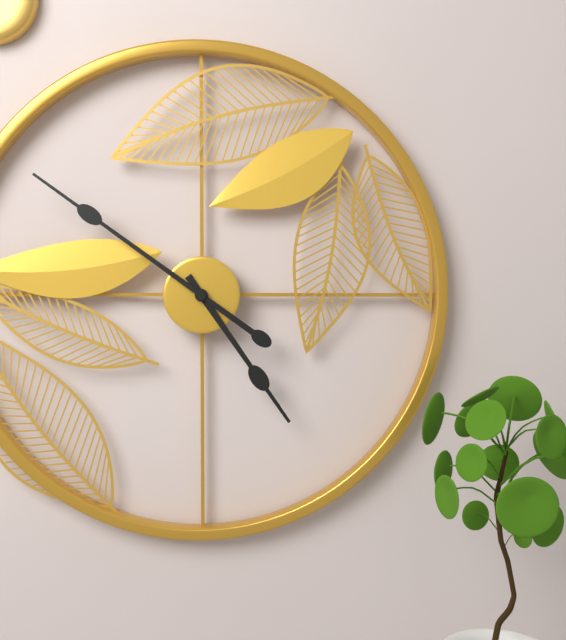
4:51
